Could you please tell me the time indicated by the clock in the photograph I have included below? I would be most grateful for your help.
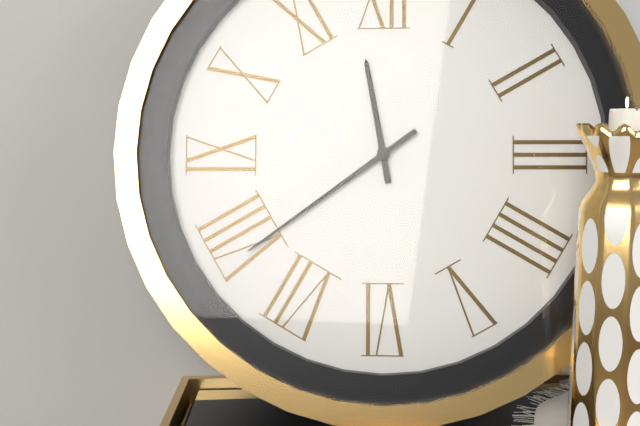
11:39
